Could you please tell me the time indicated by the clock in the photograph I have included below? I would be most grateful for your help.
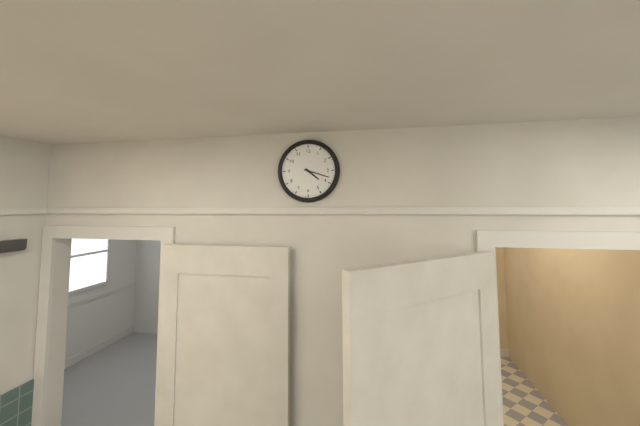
4:18
